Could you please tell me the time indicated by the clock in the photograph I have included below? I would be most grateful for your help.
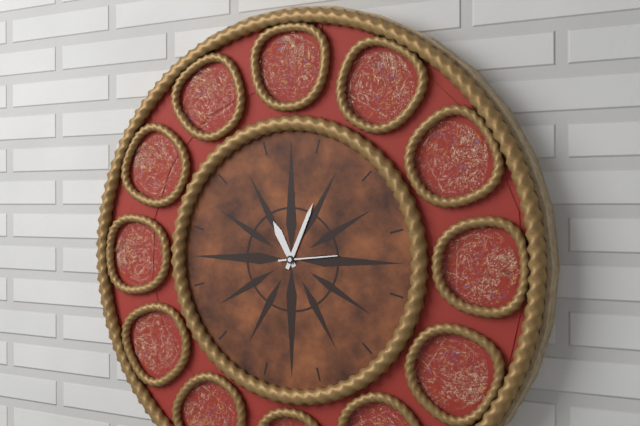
11:04:14
